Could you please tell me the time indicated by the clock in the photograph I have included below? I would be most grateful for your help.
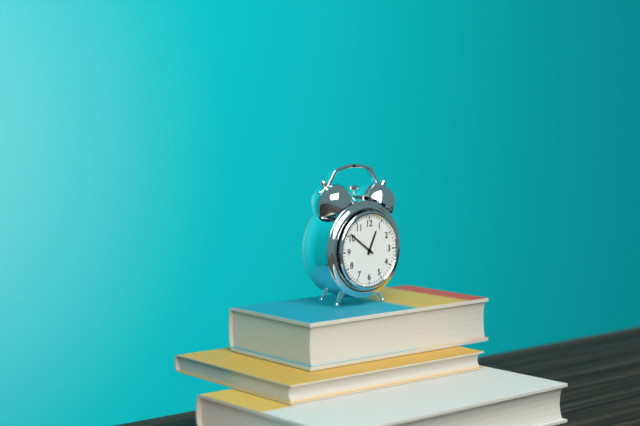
12:51
